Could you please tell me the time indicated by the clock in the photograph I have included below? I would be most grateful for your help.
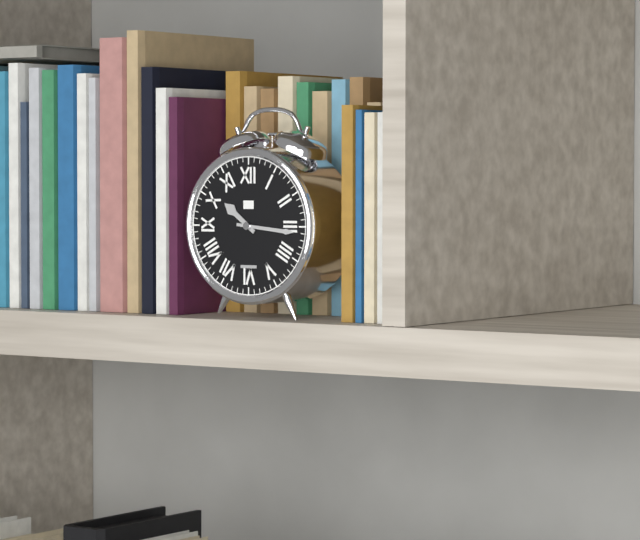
10:16
